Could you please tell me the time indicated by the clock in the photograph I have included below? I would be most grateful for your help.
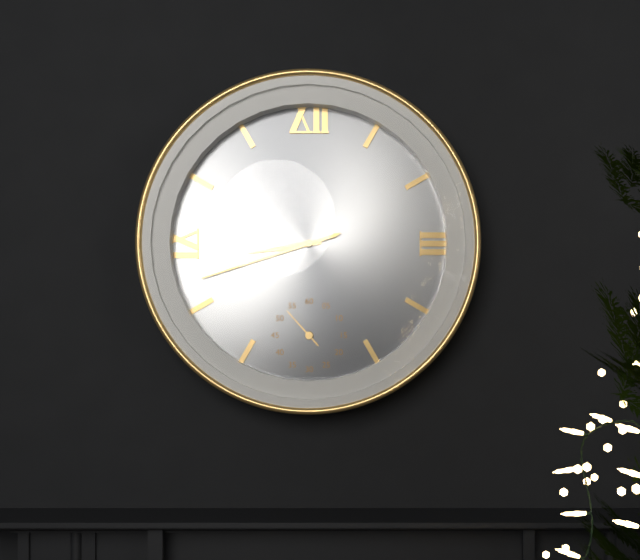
8:42
